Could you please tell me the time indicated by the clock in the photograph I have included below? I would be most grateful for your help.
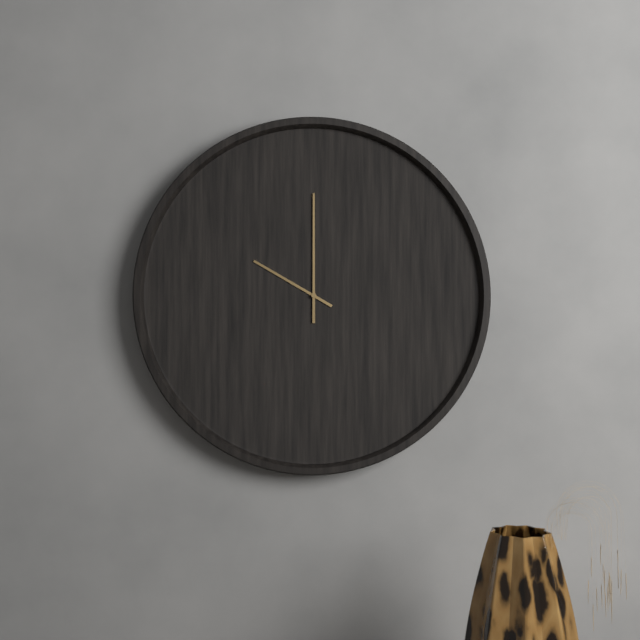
10:00
